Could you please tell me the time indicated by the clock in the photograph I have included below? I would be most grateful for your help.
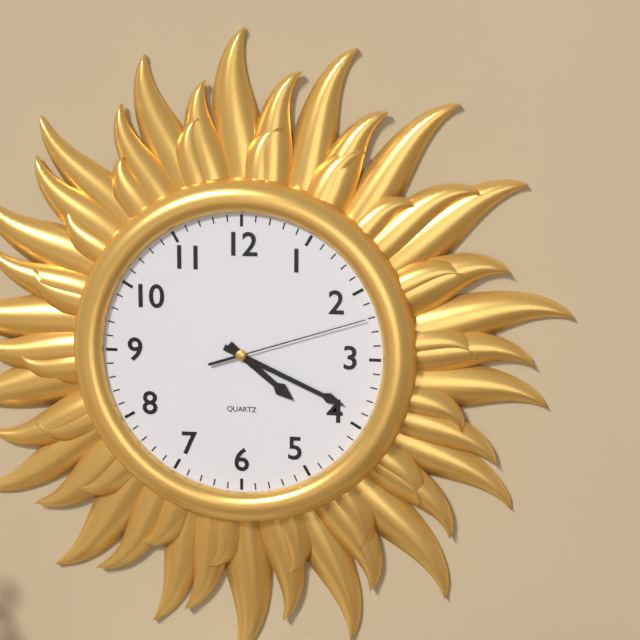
4:19:12
